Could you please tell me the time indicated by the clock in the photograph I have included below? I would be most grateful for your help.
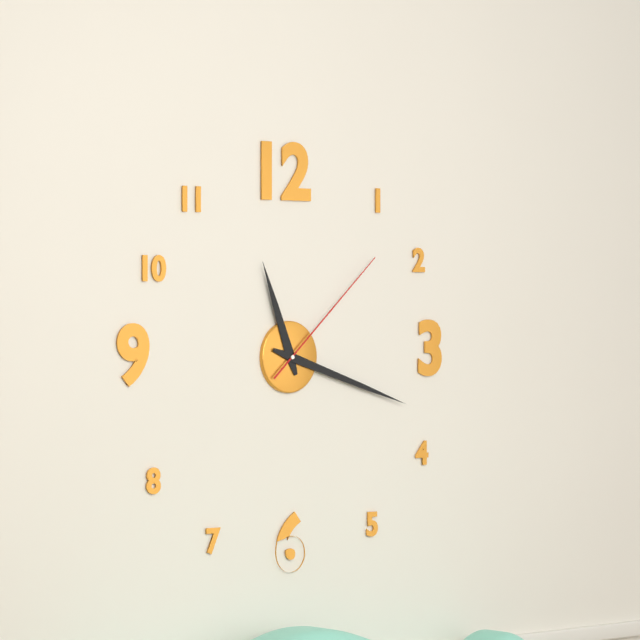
11:18:08
